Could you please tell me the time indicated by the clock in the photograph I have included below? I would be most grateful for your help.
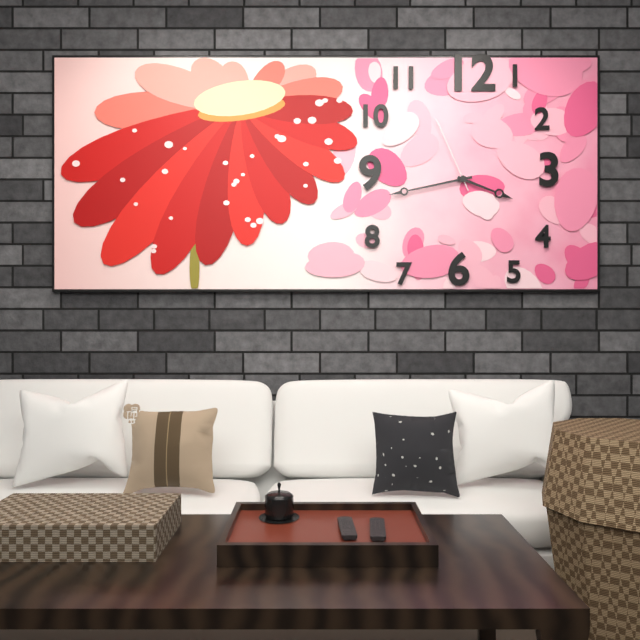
3:43:56
